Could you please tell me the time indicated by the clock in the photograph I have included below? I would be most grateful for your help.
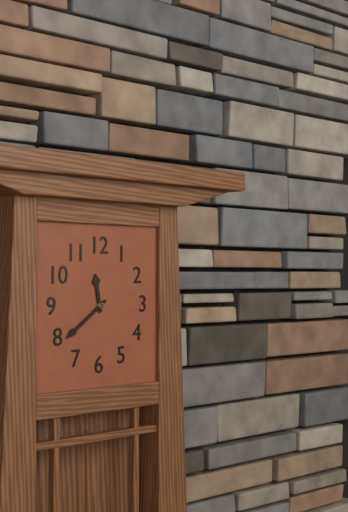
11:39
